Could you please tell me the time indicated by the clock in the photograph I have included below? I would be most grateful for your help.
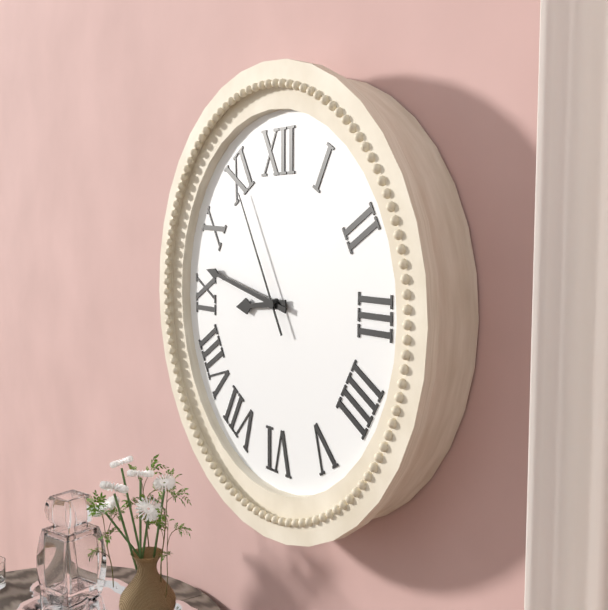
8:47:55
